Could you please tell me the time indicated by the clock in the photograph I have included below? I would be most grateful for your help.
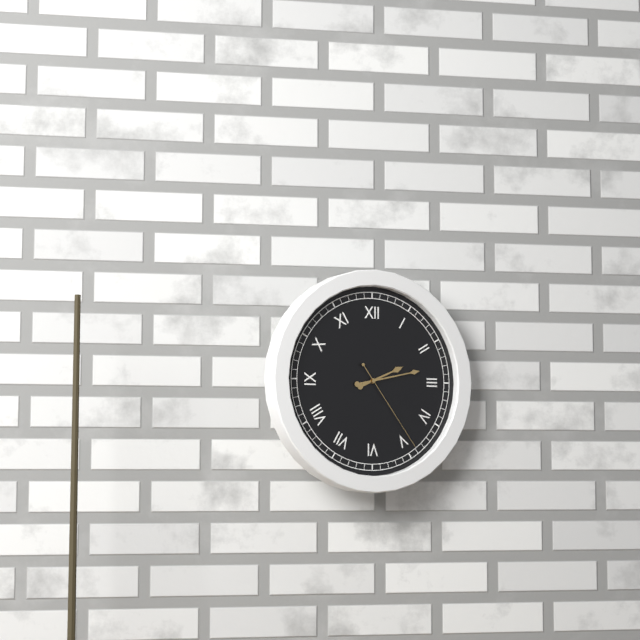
2:13:24
